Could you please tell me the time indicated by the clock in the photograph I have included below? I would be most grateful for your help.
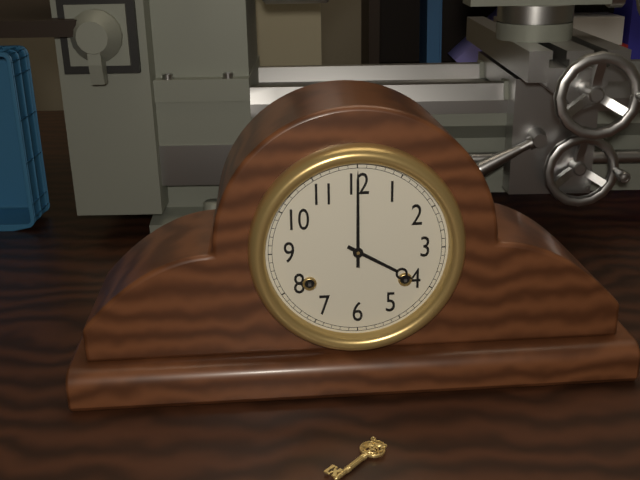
4:00
